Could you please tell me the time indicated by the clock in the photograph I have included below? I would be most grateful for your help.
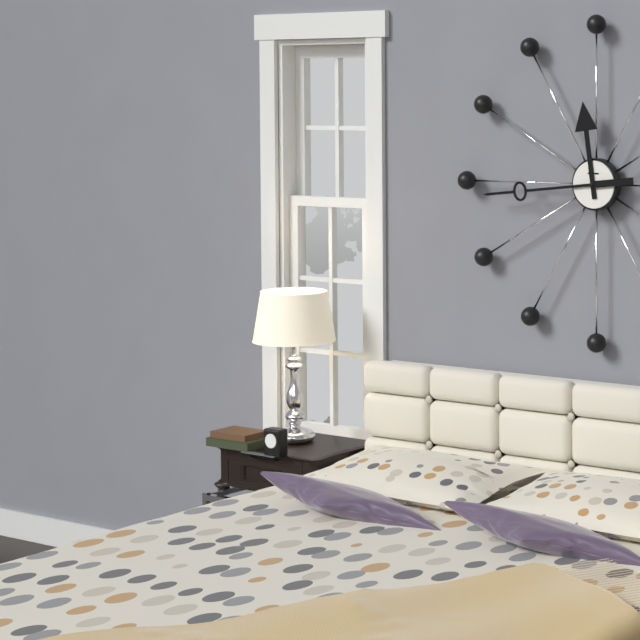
11:44
